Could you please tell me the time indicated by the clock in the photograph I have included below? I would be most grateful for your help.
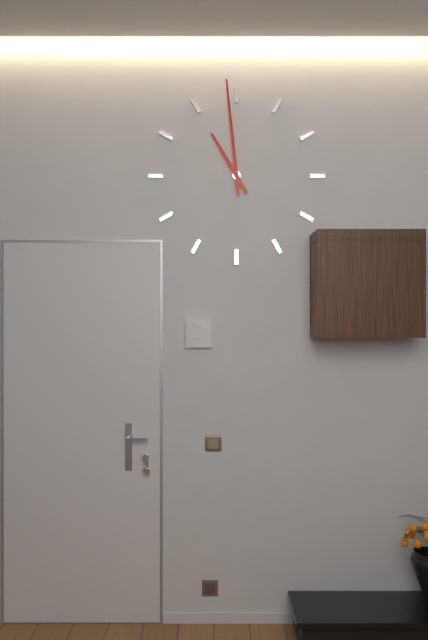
10:59
